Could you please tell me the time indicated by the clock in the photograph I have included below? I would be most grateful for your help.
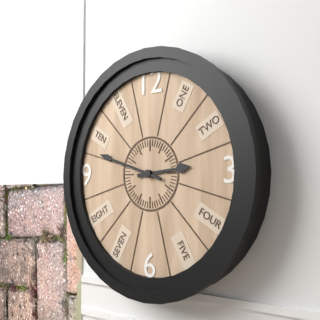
2:48
